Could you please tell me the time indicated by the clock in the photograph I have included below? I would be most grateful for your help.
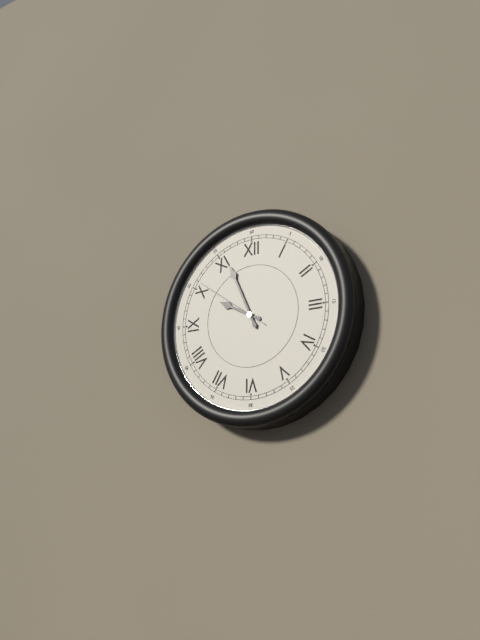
9:56:51
